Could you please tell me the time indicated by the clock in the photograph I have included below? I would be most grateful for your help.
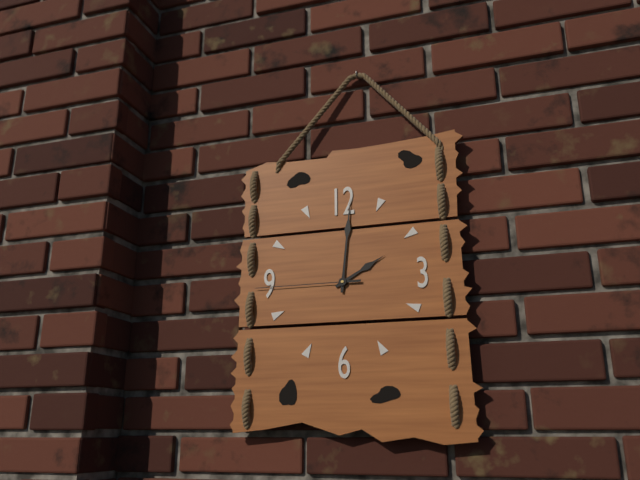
2:01:45
